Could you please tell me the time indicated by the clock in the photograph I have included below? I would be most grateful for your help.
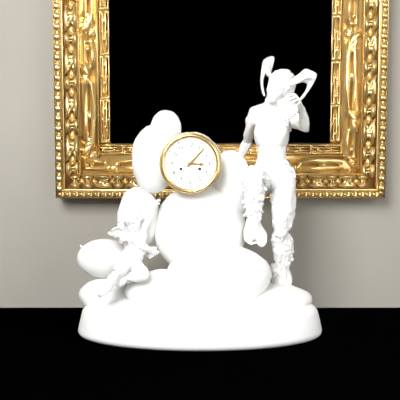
3:07
